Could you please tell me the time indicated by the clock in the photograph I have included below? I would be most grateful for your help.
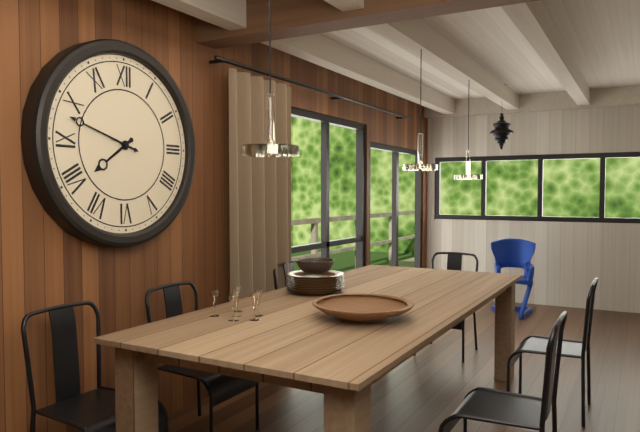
7:48
